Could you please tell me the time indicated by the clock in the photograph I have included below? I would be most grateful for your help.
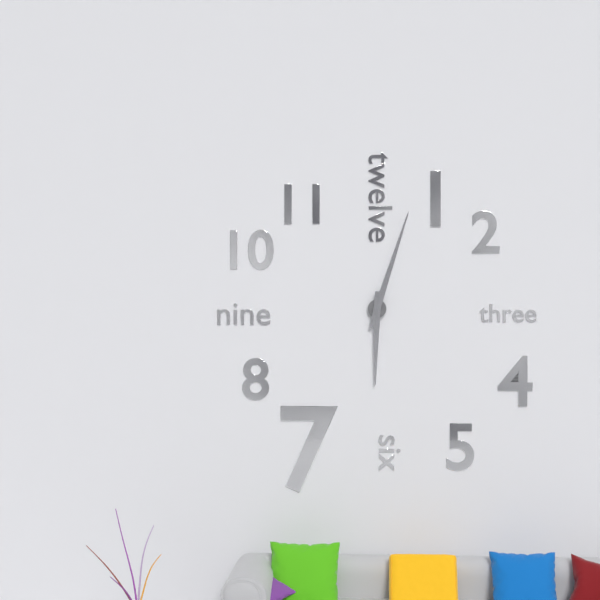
6:03
